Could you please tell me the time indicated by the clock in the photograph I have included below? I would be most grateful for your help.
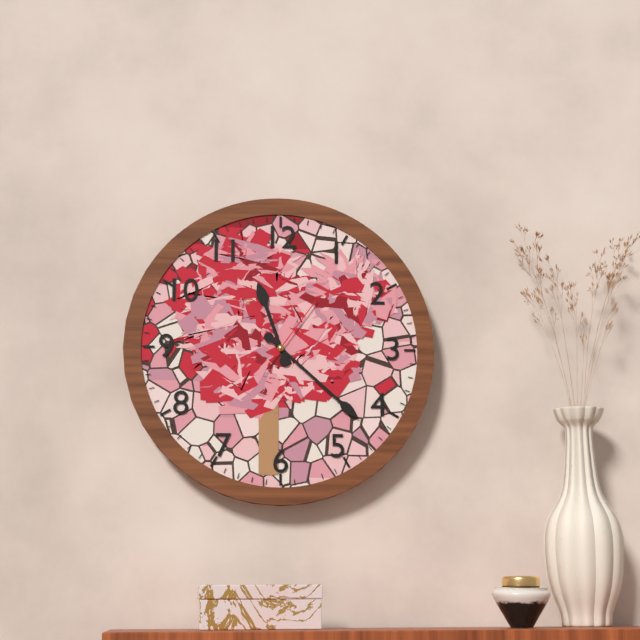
11:22:06
